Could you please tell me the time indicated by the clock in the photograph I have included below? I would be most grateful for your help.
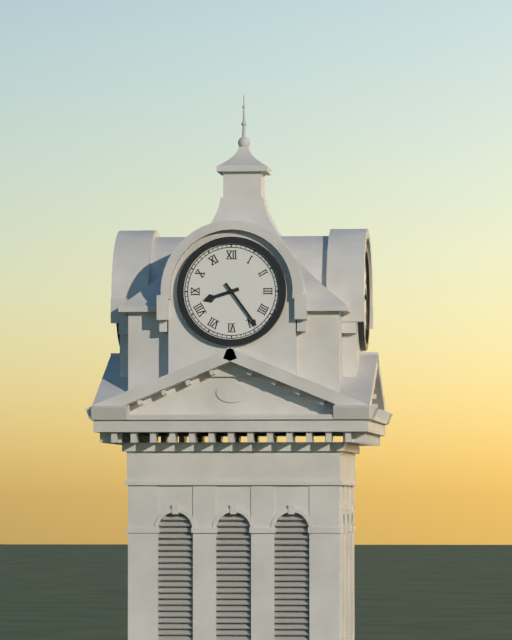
8:24
